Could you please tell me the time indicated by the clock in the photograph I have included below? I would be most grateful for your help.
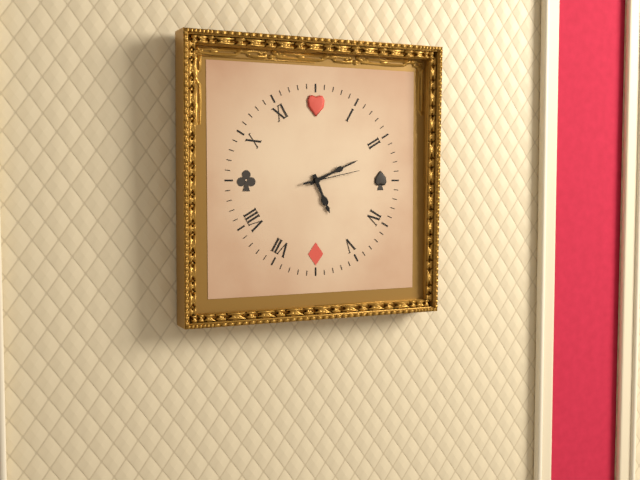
5:11:13
